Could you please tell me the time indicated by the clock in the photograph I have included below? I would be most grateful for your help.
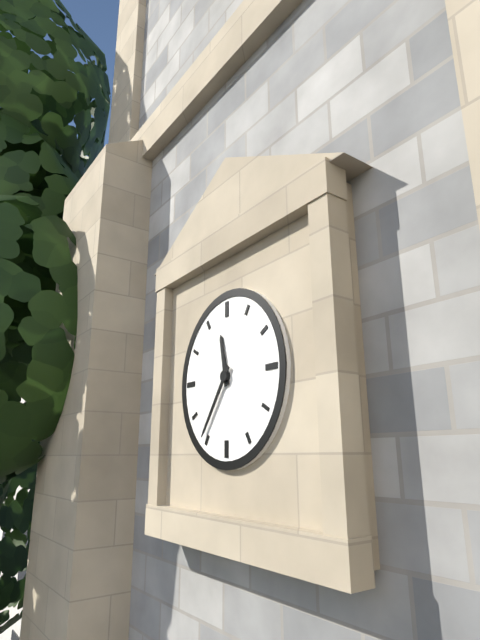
11:36
